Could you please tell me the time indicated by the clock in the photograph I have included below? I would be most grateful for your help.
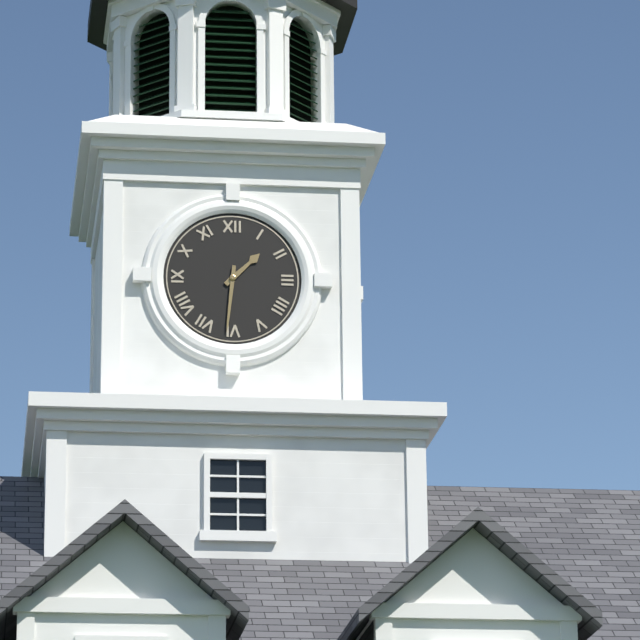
1:31
